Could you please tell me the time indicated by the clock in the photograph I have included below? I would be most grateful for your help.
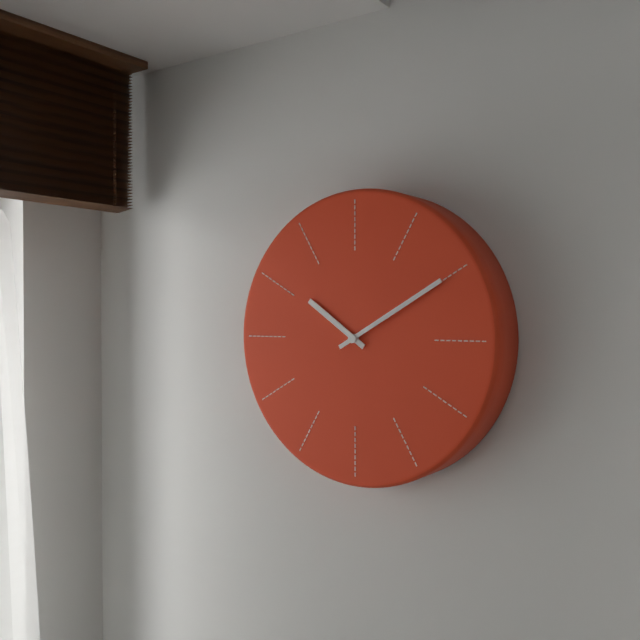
10:10
